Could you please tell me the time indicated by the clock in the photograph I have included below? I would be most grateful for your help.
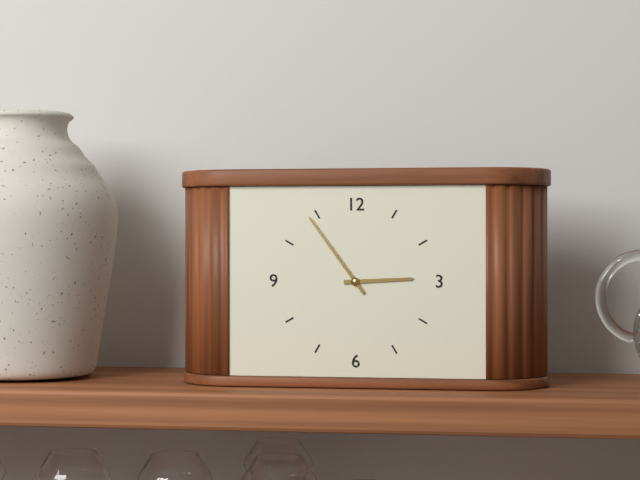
2:54
